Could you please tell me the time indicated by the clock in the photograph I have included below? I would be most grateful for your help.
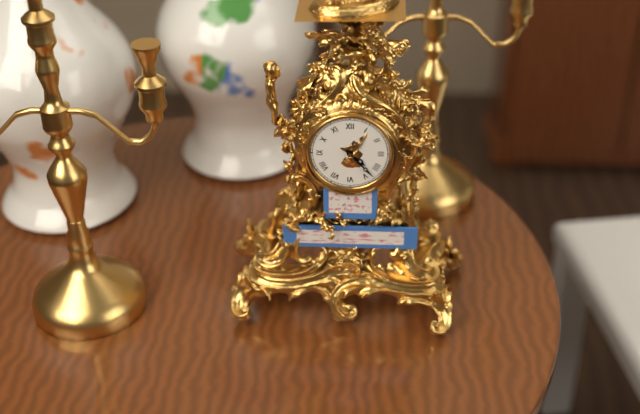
4:23
